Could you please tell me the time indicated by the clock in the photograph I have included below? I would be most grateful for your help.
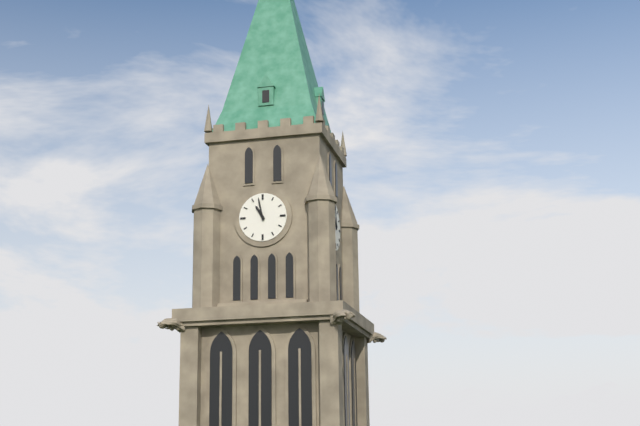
10:58
